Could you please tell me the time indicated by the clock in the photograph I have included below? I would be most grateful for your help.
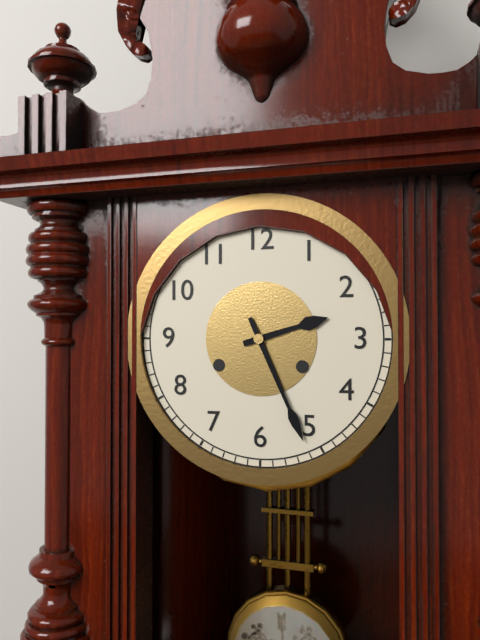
2:26
